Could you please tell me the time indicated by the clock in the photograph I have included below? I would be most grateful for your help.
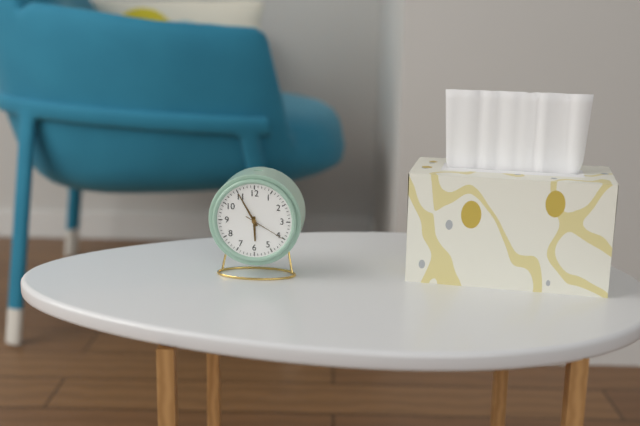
5:55
